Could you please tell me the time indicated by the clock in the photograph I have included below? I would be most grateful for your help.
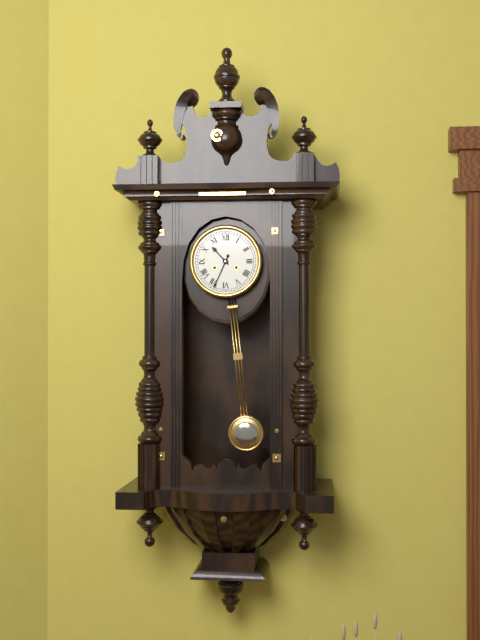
10:34
